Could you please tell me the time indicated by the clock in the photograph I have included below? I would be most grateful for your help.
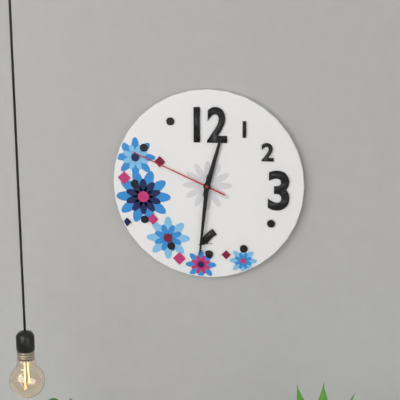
12:31:49
